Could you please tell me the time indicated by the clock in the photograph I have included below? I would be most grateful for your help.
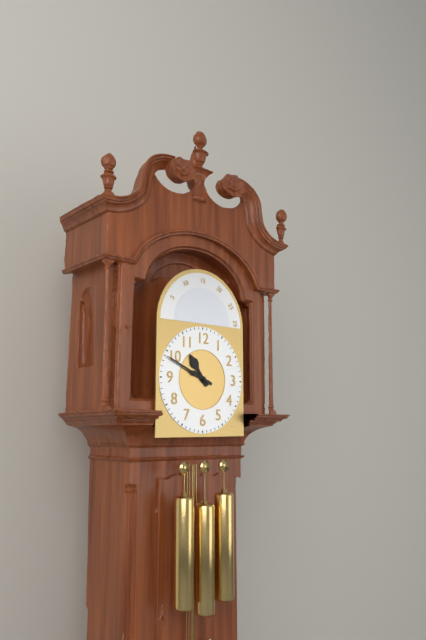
10:49
